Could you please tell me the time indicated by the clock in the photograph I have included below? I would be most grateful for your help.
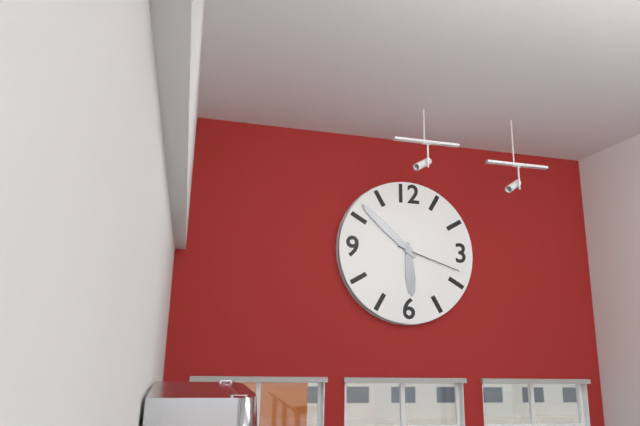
5:52:18
